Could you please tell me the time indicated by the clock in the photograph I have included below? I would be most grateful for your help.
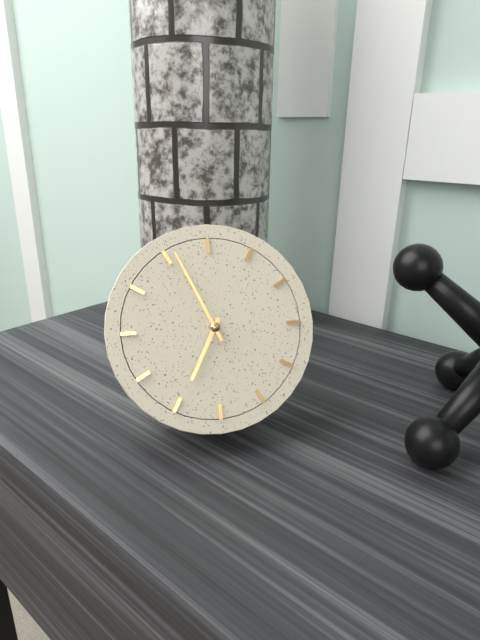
6:56
